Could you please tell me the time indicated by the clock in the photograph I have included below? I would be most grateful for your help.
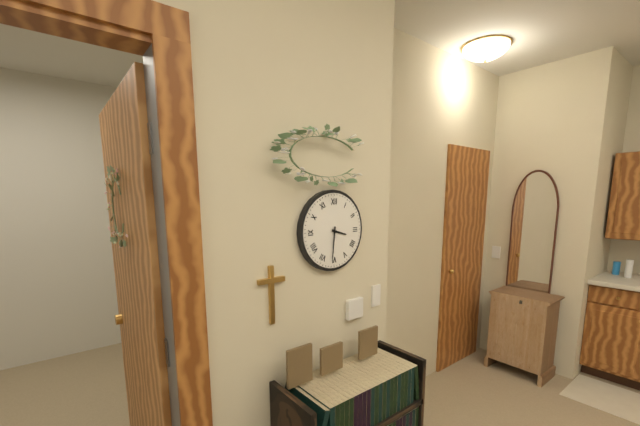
3:31
